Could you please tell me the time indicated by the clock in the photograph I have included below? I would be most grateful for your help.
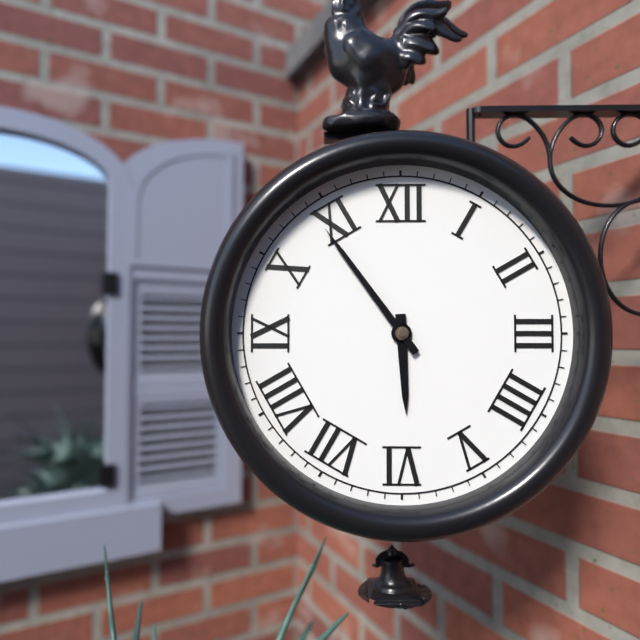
5:54
